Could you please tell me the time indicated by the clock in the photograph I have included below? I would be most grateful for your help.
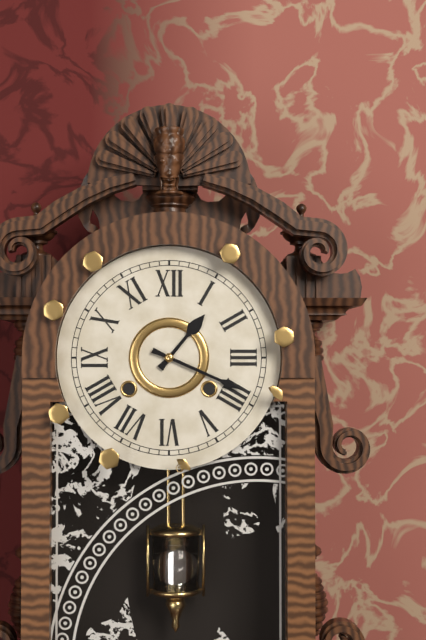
1:19
